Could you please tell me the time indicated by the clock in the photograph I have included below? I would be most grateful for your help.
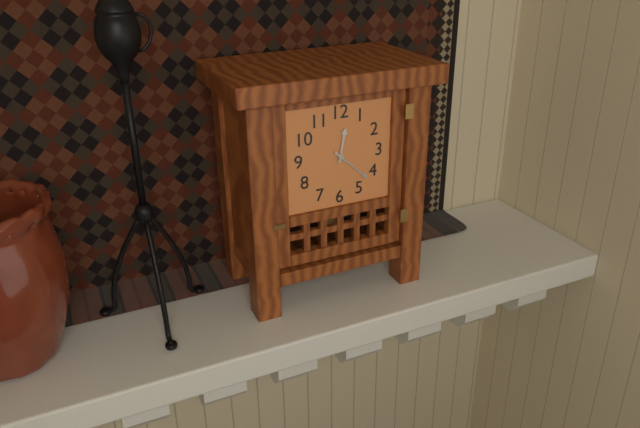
12:22
